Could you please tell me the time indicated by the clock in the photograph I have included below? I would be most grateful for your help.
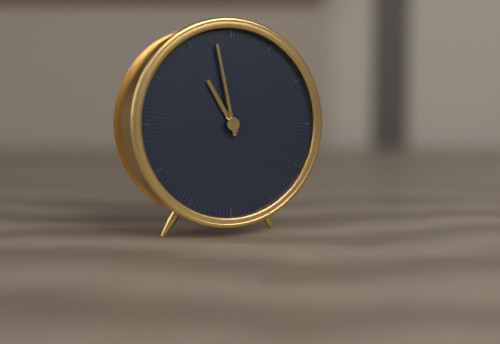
10:58
